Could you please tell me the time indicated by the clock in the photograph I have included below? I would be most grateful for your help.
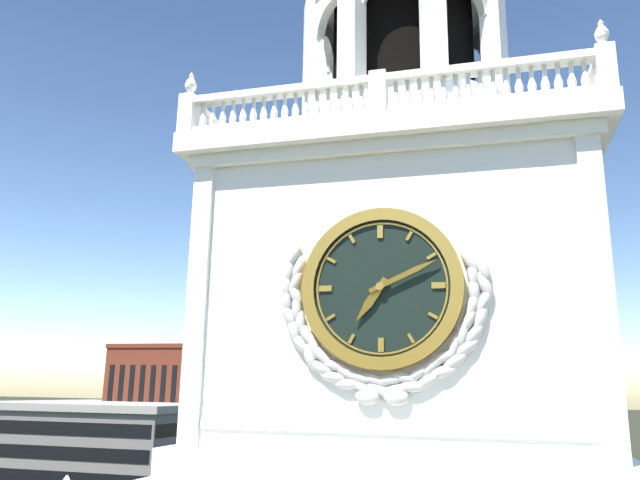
7:11
